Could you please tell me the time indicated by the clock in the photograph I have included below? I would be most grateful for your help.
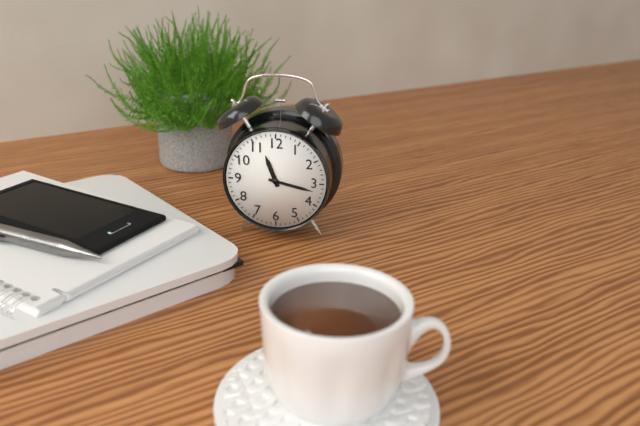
11:17
